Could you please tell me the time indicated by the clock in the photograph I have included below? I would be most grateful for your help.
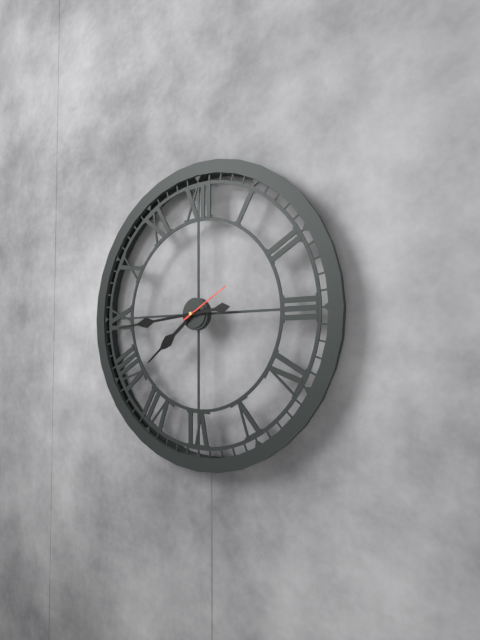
7:44:10
